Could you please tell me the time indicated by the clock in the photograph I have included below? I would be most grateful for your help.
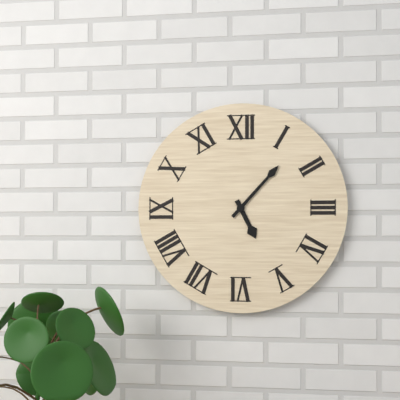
5:07
